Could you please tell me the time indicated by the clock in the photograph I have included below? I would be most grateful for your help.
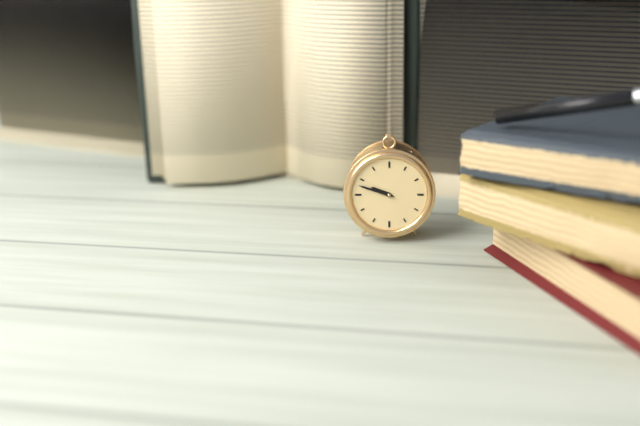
9:48
